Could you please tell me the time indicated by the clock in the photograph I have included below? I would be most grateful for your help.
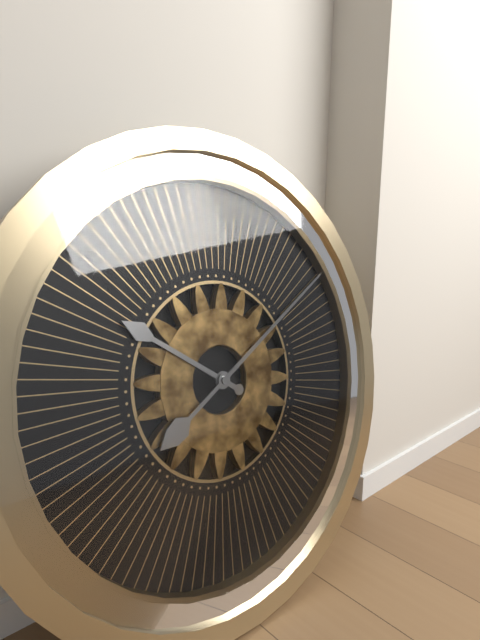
10:10
